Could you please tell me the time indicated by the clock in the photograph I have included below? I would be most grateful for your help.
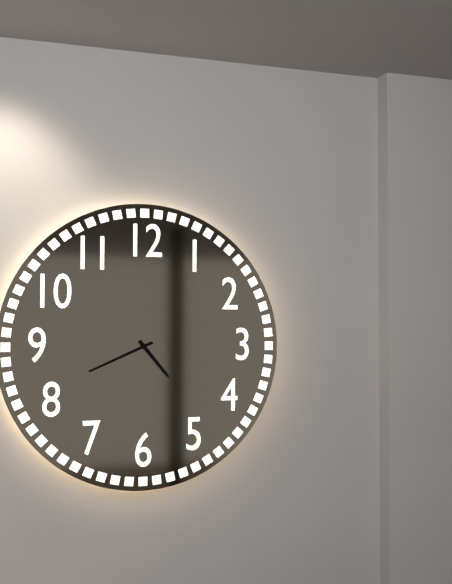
4:41
